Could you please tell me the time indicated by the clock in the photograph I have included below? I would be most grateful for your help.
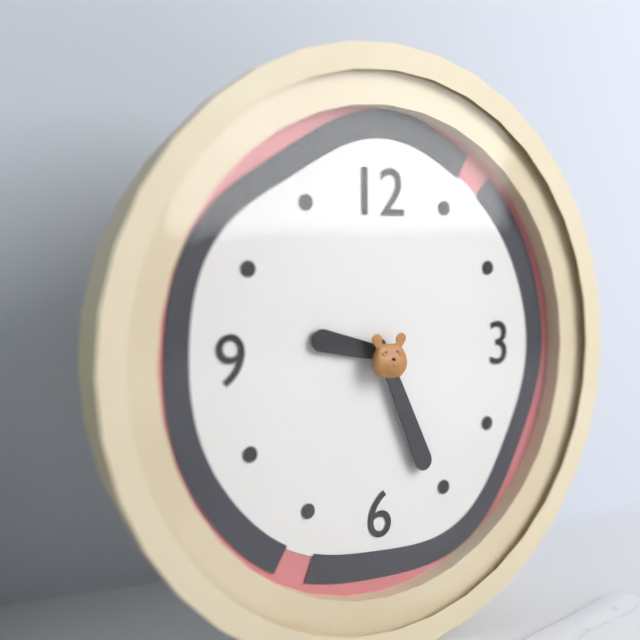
9:26
